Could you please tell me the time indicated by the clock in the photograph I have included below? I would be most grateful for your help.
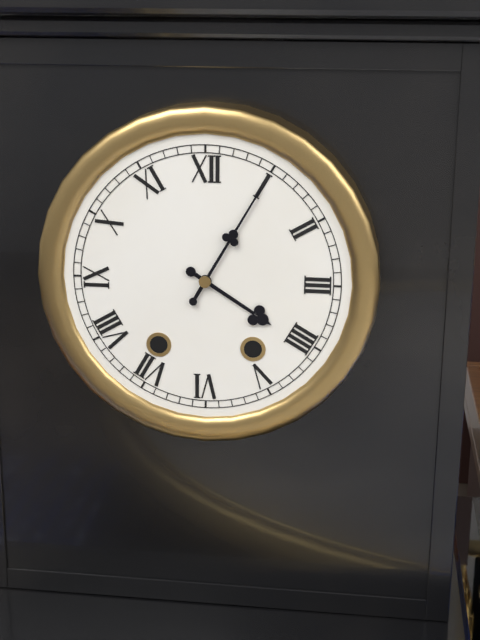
4:05
